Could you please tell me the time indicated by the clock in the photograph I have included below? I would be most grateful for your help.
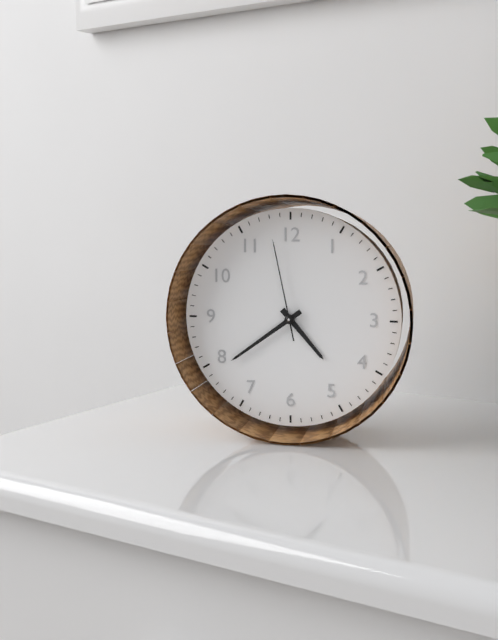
4:39:58
